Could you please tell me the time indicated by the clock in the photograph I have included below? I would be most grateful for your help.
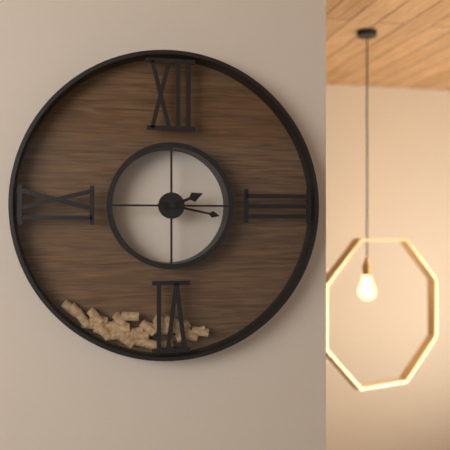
2:17
